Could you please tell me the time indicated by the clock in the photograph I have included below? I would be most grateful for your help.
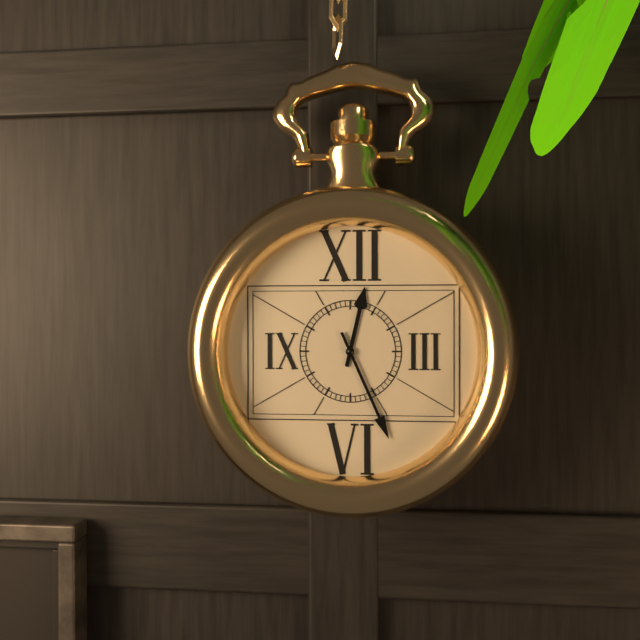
12:26
